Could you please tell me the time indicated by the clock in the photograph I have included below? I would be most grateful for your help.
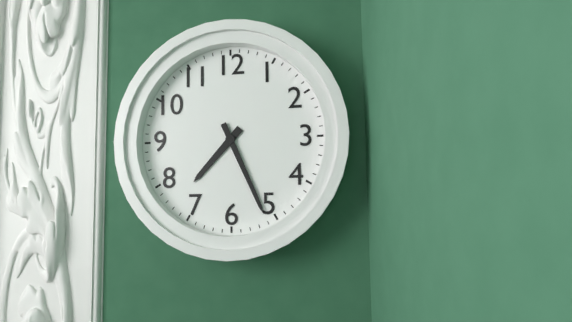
7:26
